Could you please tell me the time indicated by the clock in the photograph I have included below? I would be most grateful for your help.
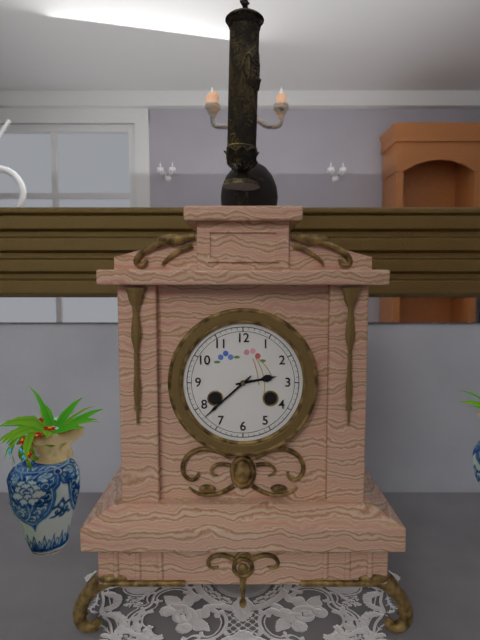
2:38
